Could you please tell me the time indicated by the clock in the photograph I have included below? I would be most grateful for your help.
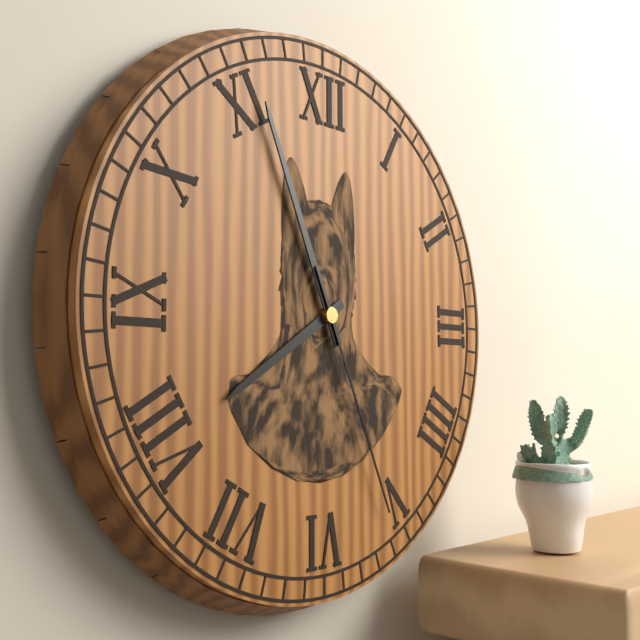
7:56:26
